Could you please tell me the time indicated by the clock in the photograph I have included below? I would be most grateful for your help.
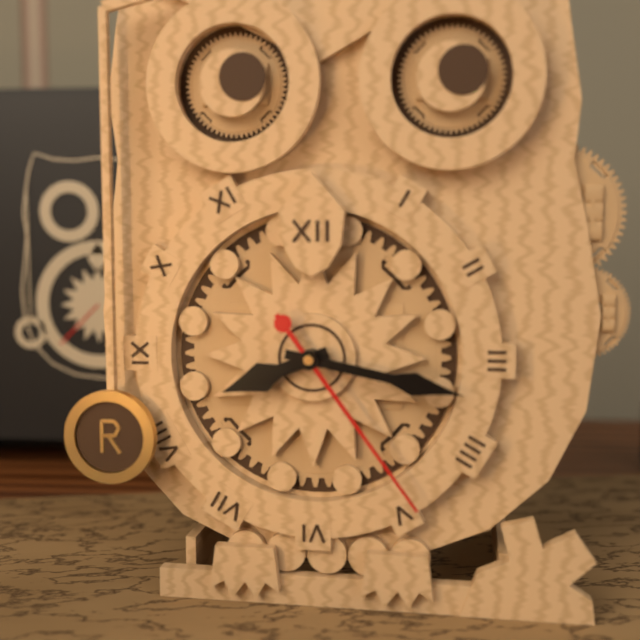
8:17:24
